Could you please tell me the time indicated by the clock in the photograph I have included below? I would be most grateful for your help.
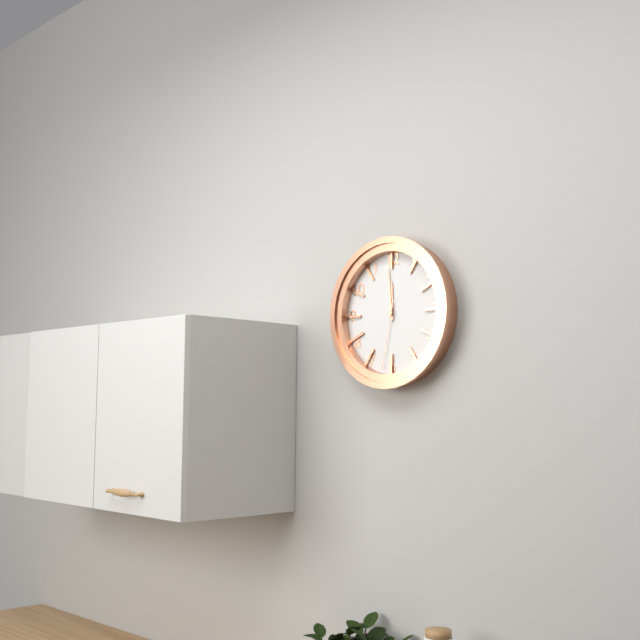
11:59:32
